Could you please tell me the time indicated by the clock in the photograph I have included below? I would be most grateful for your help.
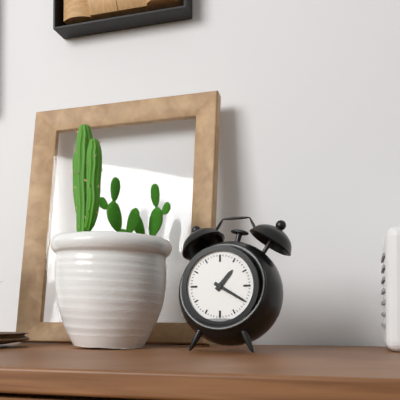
1:20
